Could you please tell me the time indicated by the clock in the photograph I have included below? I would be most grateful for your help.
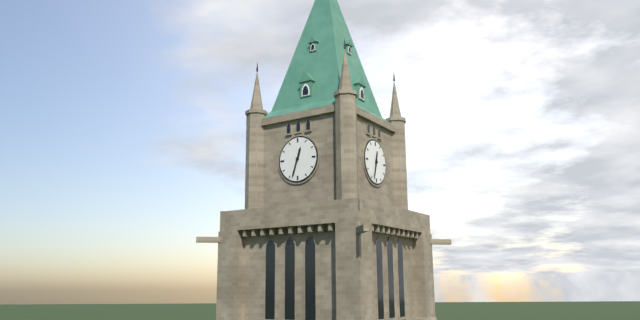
12:33
